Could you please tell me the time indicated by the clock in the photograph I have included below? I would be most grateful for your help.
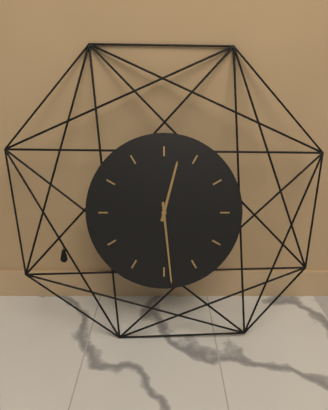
12:29
